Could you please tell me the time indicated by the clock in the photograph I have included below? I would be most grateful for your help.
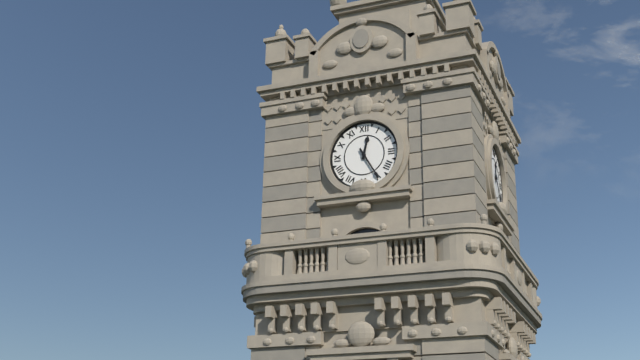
12:25
